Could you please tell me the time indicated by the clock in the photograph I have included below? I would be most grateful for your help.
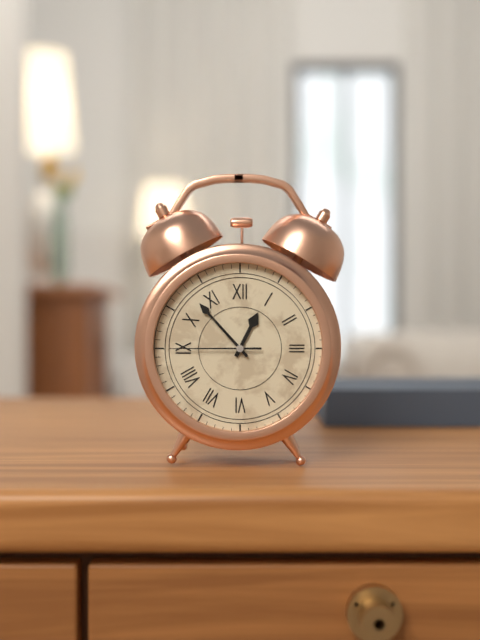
12:53:45
